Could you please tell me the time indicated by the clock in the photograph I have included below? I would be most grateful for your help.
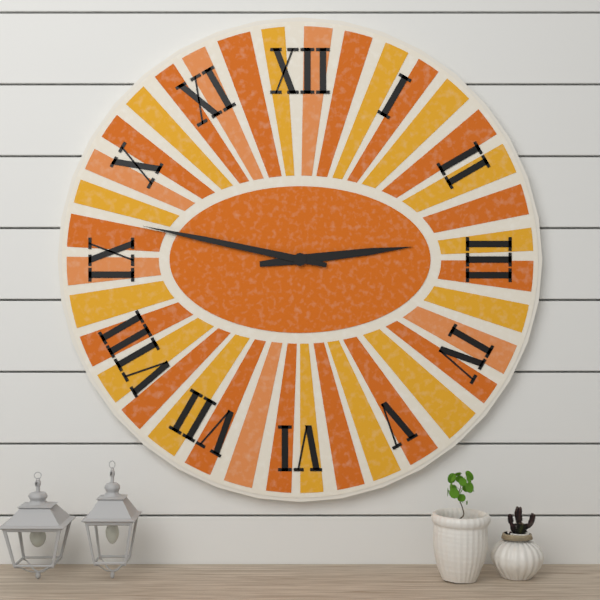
2:47
